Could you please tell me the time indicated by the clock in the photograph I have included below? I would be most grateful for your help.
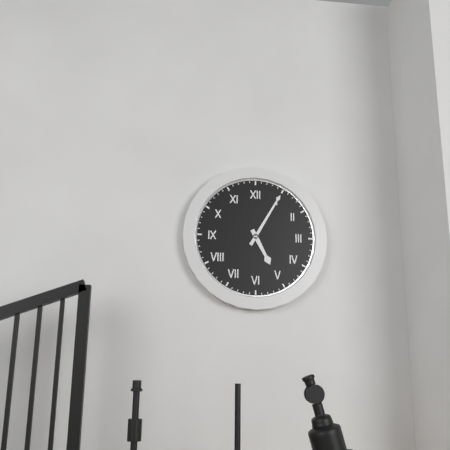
5:05
